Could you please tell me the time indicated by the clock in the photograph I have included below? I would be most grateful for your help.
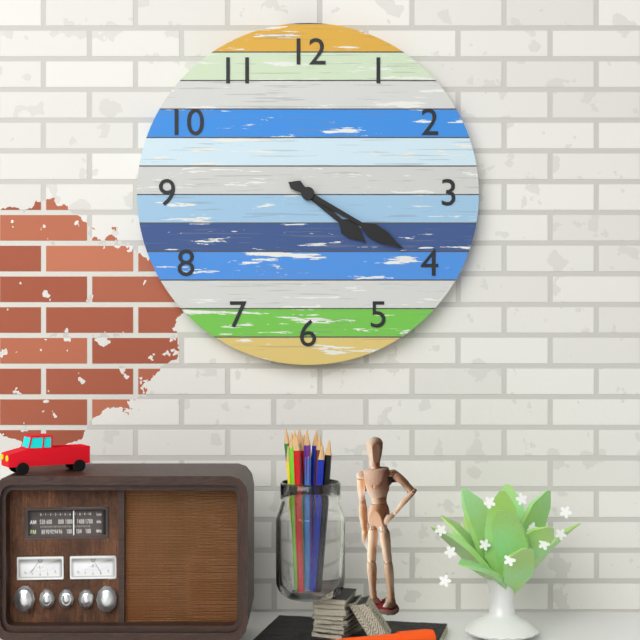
4:20
